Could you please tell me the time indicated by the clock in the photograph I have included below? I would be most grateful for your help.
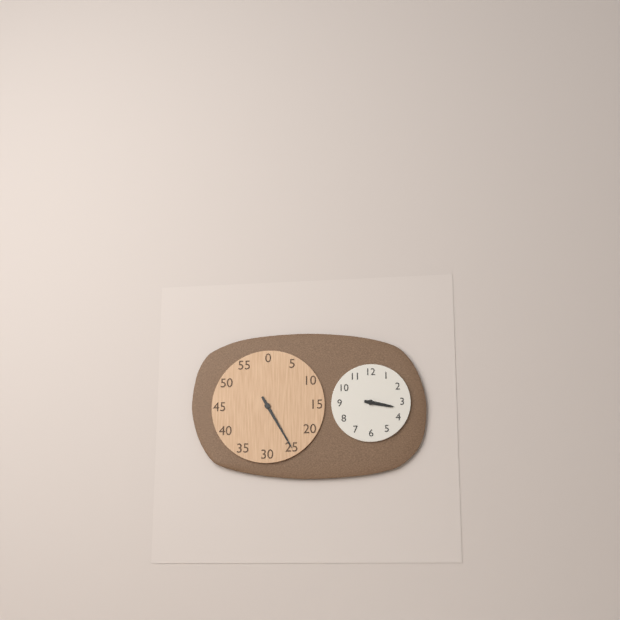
3:25
